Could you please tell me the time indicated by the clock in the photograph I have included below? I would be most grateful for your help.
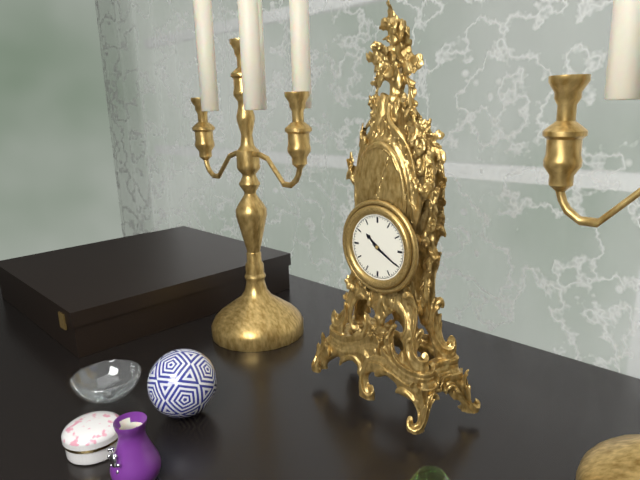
10:20
